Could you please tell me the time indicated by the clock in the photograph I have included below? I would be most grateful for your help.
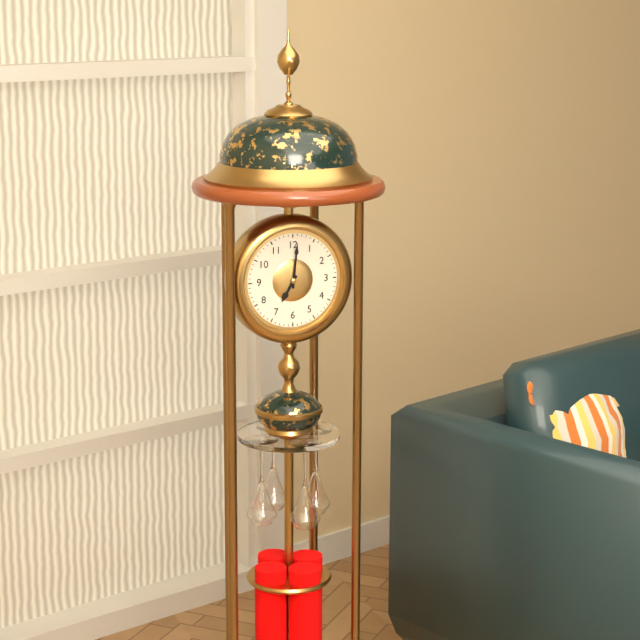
7:01
